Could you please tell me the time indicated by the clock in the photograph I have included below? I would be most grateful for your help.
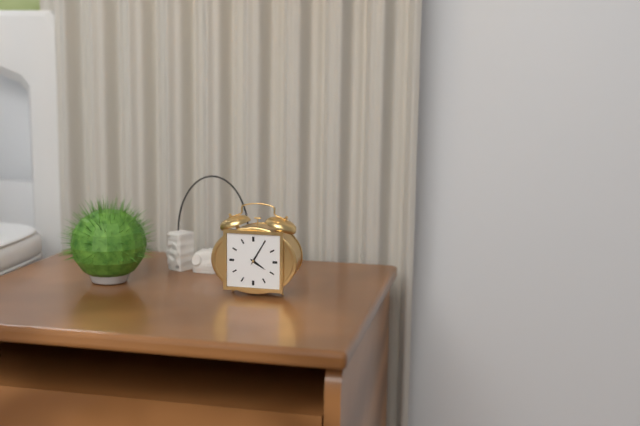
4:05
